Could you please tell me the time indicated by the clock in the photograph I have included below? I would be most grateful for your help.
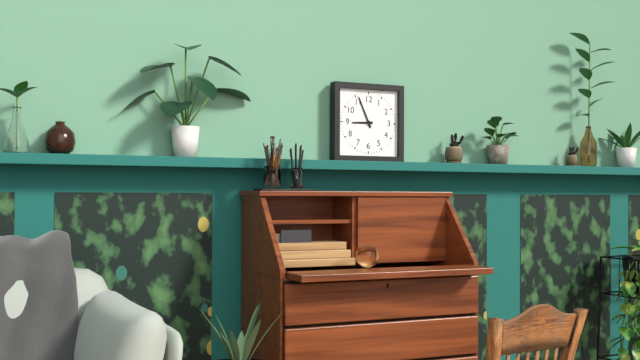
8:56
